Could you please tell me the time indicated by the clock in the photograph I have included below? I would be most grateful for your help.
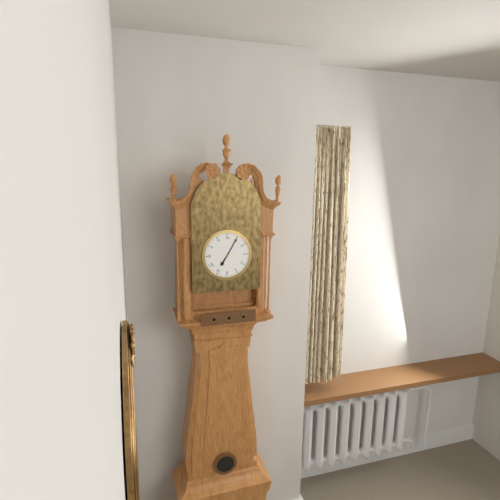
7:05
